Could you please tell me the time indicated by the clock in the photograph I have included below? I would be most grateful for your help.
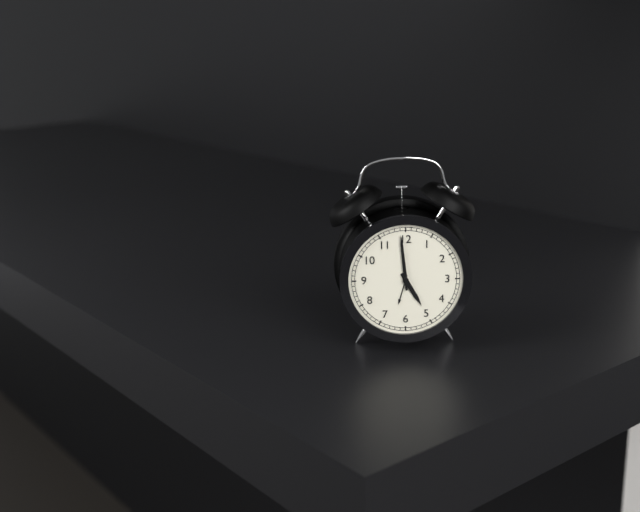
4:59
